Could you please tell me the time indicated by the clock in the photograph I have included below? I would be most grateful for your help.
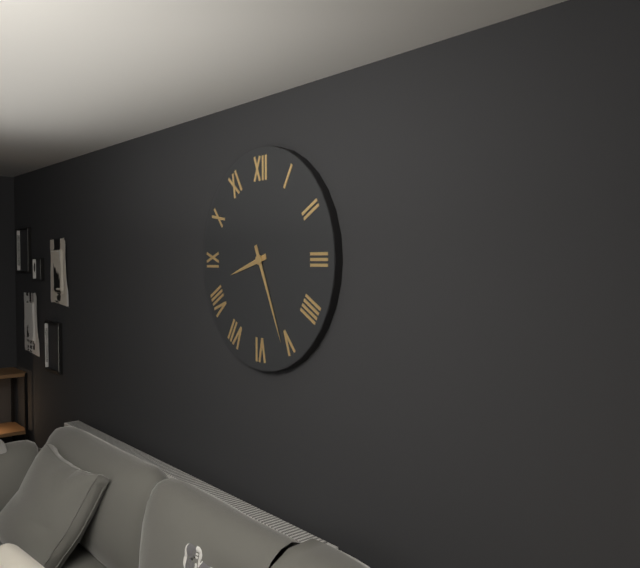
8:26
